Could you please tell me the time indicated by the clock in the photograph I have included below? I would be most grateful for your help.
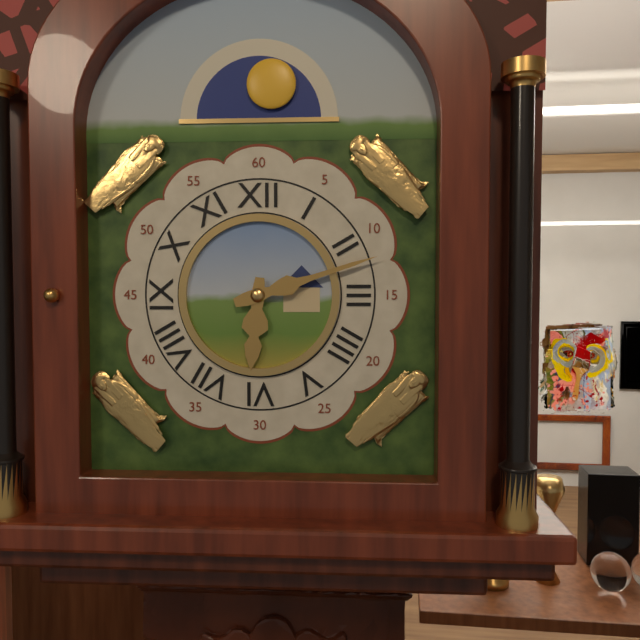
6:12
